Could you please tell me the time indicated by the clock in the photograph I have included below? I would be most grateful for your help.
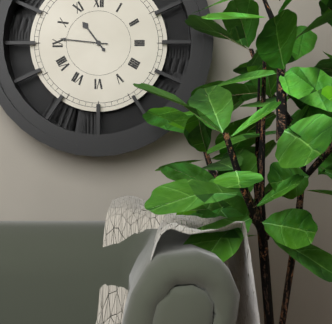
10:46
